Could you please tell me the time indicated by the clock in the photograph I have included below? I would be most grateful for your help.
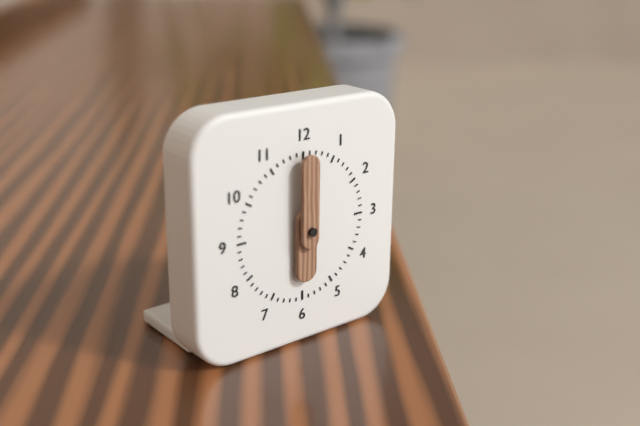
6:00
